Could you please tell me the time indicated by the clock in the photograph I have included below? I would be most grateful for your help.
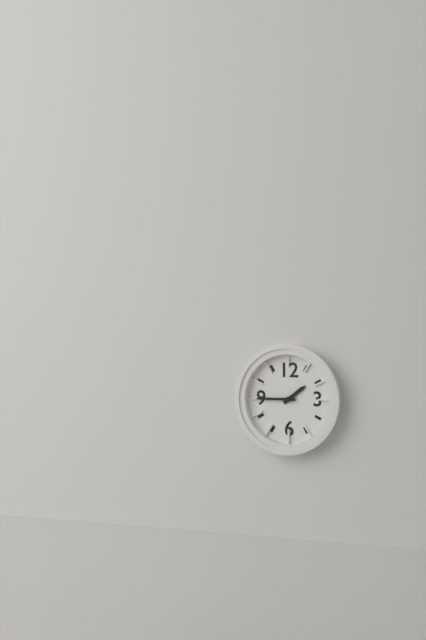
1:45
